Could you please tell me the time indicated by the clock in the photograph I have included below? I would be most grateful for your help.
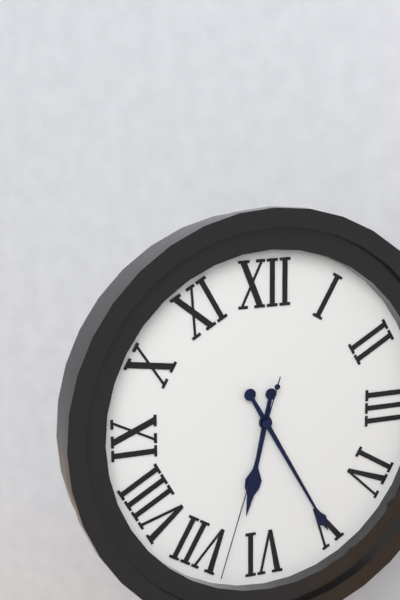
6:25:33
